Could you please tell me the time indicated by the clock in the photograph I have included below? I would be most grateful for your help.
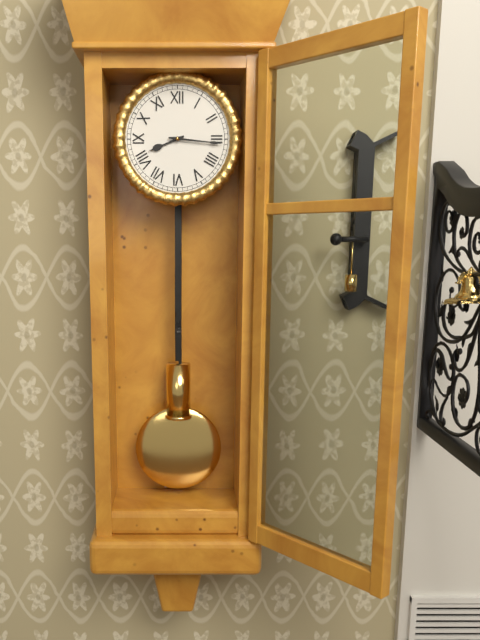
8:16
